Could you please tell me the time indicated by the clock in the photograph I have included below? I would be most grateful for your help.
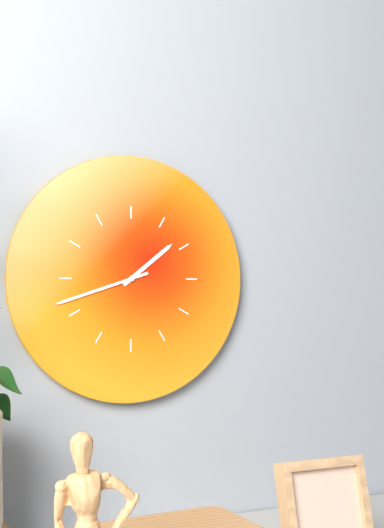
1:42
